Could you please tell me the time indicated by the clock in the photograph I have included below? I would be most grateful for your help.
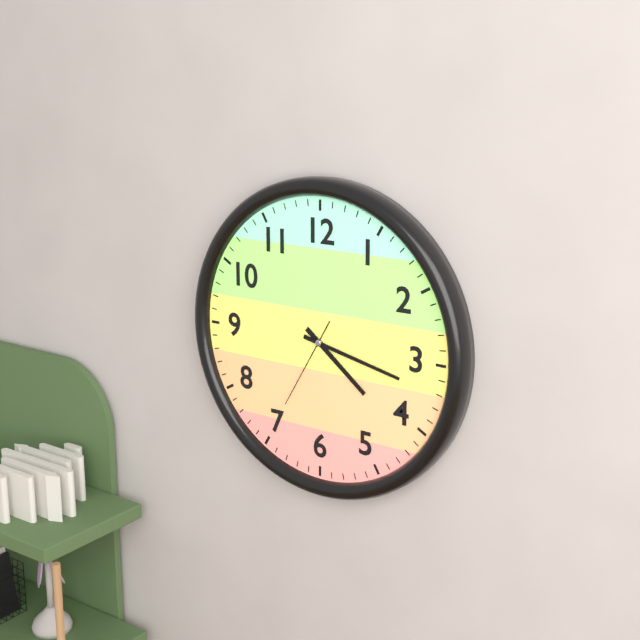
4:17:35
